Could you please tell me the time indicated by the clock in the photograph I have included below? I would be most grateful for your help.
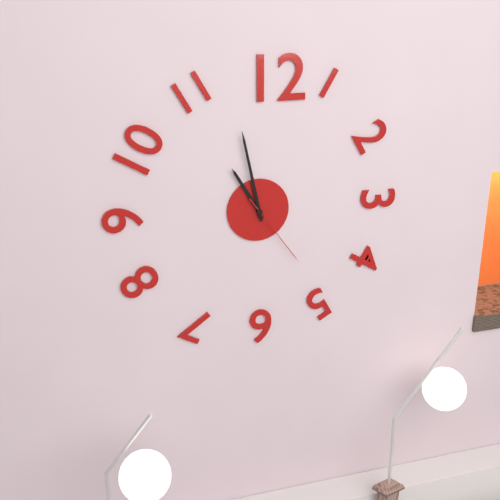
10:58:24
